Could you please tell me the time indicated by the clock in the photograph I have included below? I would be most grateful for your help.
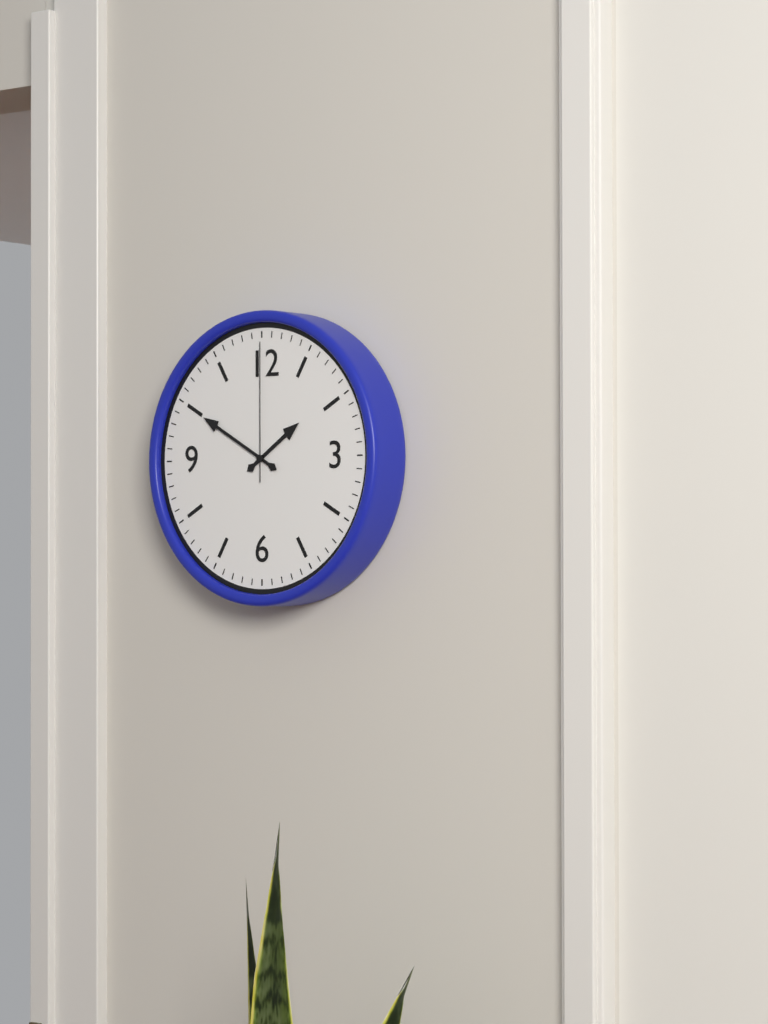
1:50:00
